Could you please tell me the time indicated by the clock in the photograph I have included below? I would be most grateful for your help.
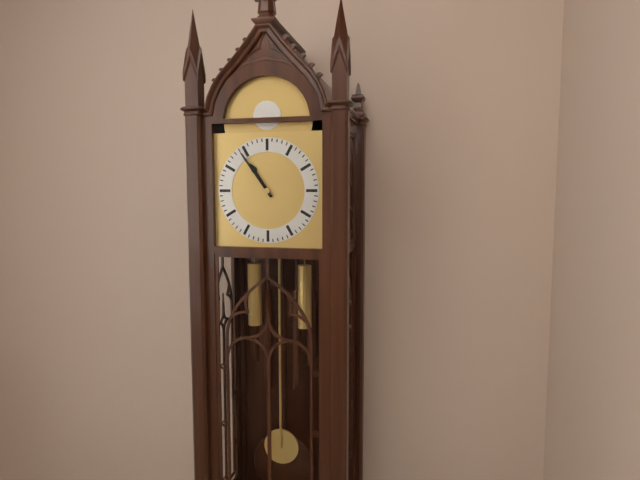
10:54
